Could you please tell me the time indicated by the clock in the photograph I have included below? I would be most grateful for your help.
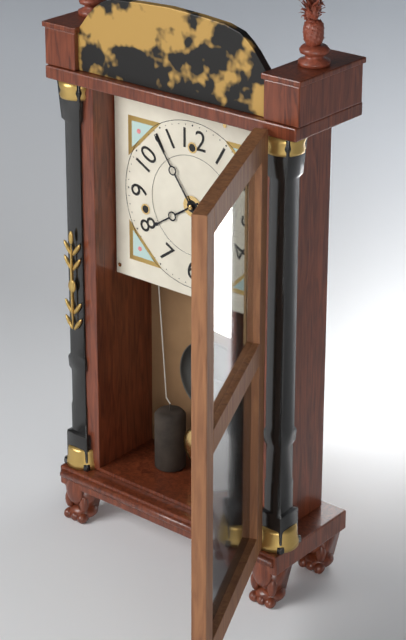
7:54
